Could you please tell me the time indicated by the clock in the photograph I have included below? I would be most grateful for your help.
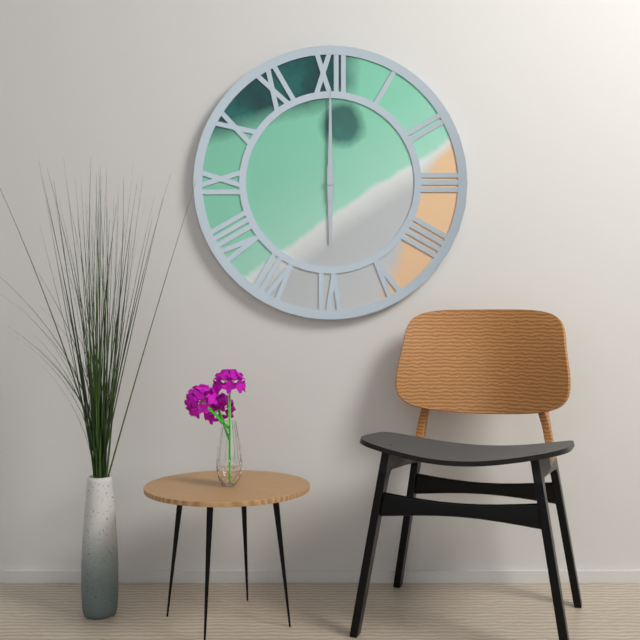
6:00
